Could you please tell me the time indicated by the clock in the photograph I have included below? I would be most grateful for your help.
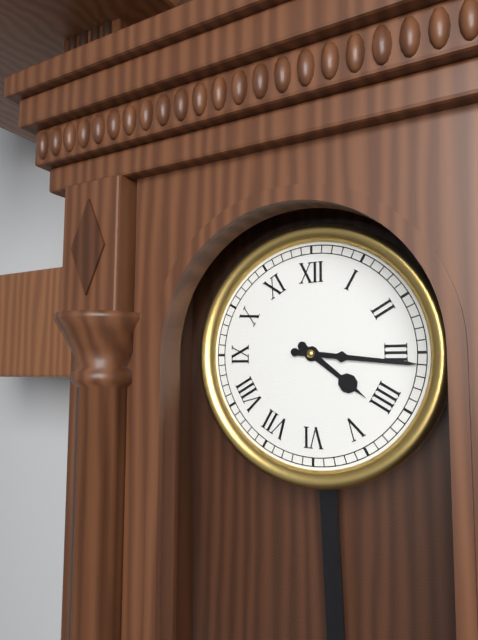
4:16
